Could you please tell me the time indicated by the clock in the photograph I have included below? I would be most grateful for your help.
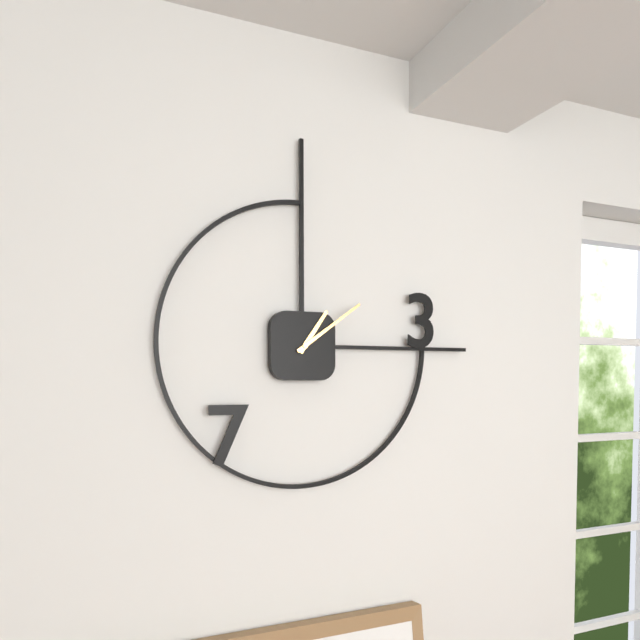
1:09
